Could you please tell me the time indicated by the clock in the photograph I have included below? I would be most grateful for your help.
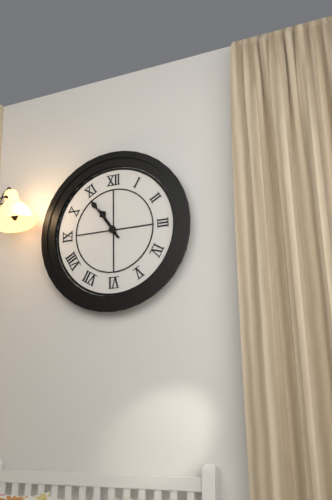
10:54
